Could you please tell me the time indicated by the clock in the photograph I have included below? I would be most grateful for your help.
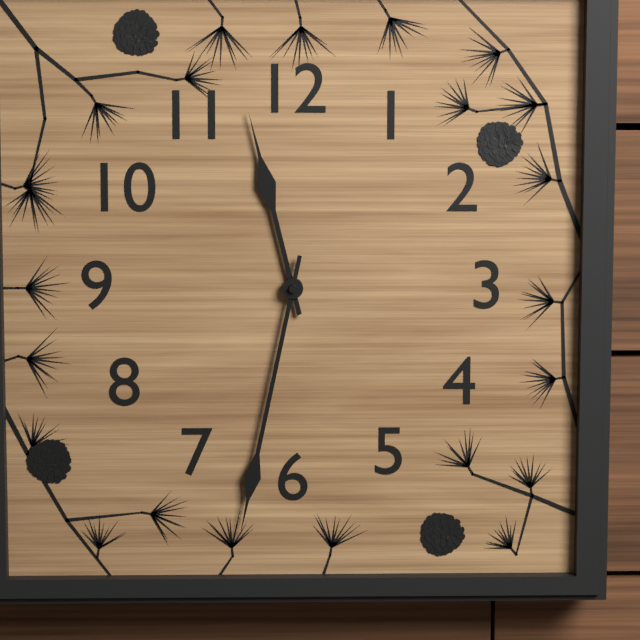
11:32
